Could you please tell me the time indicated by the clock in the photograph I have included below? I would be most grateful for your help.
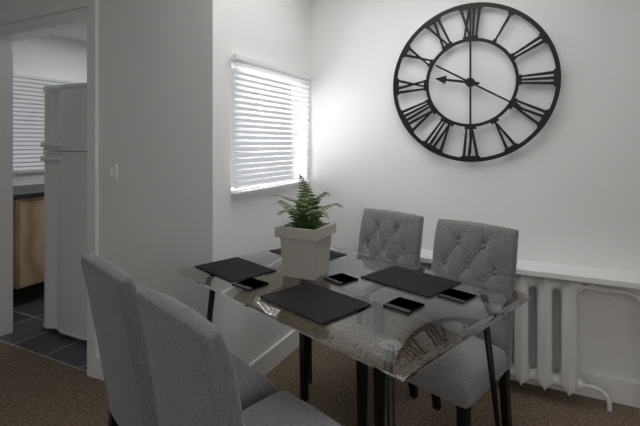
9:20
